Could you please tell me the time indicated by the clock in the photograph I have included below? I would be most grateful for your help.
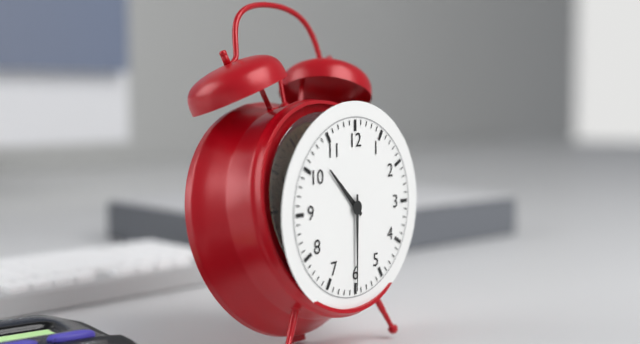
10:30
